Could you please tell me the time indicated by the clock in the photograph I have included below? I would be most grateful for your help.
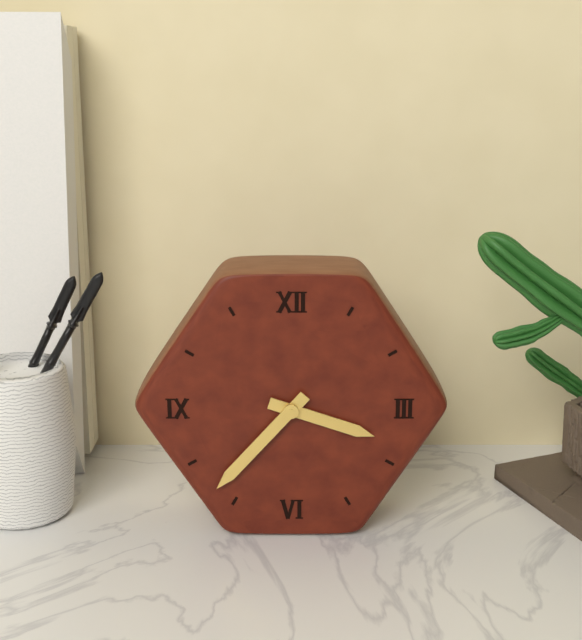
3:37
